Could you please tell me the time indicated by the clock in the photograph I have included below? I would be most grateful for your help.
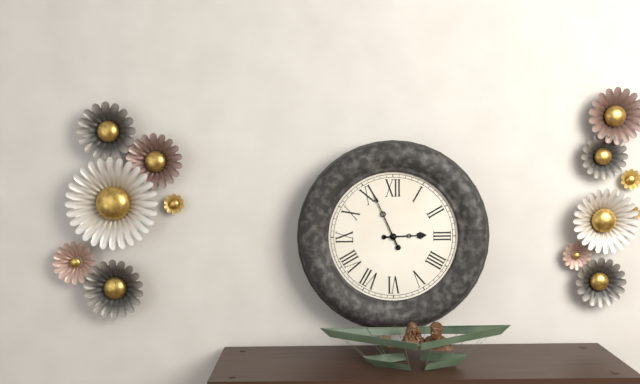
2:56
